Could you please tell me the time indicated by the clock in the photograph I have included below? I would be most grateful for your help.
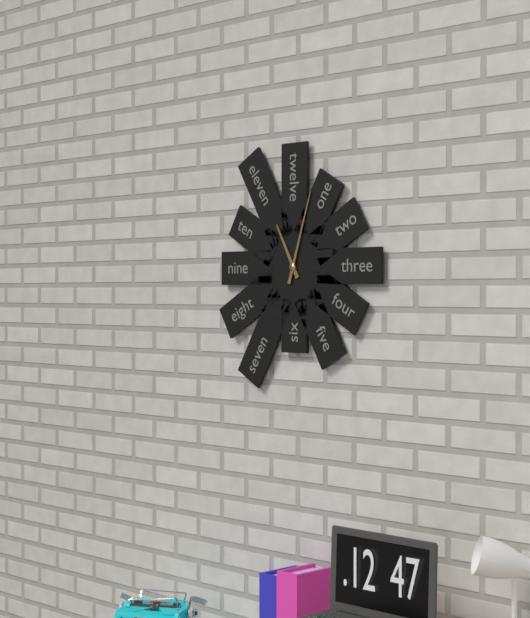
11:03
